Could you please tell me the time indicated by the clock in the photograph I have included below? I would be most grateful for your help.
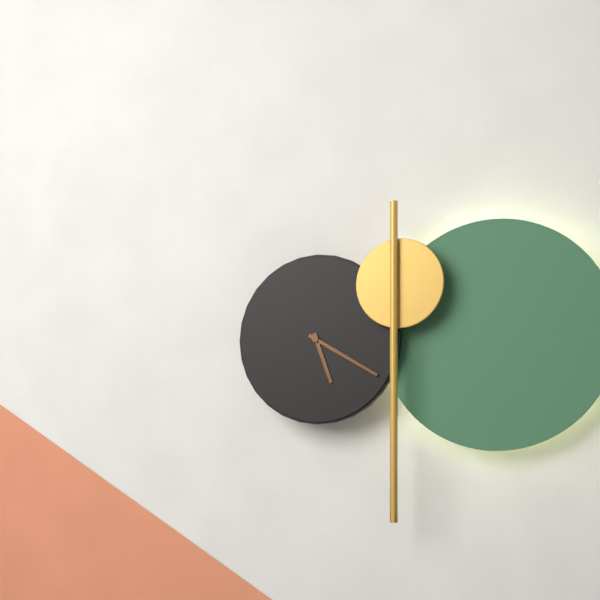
5:20
